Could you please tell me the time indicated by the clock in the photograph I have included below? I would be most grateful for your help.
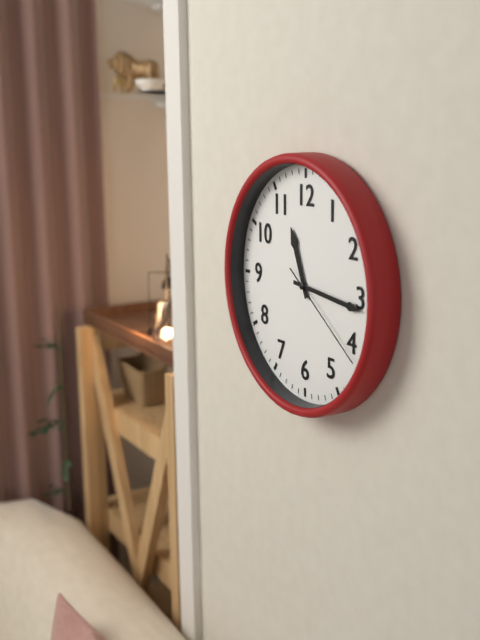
11:16:21
